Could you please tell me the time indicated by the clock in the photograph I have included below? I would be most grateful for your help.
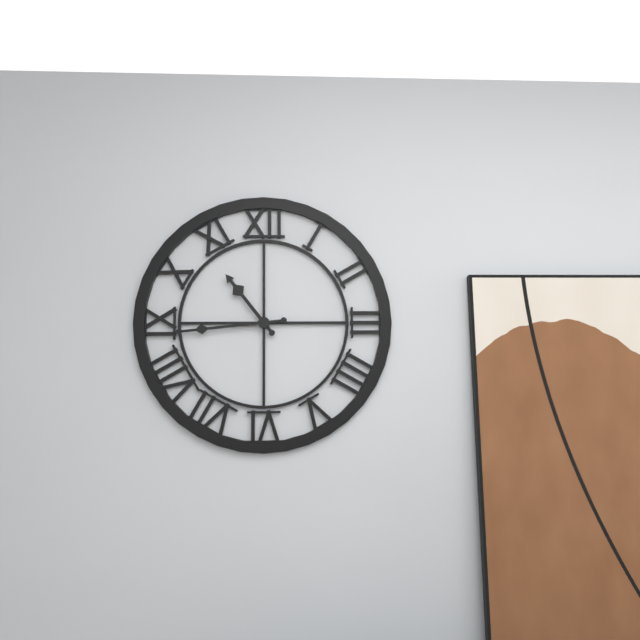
10:44
